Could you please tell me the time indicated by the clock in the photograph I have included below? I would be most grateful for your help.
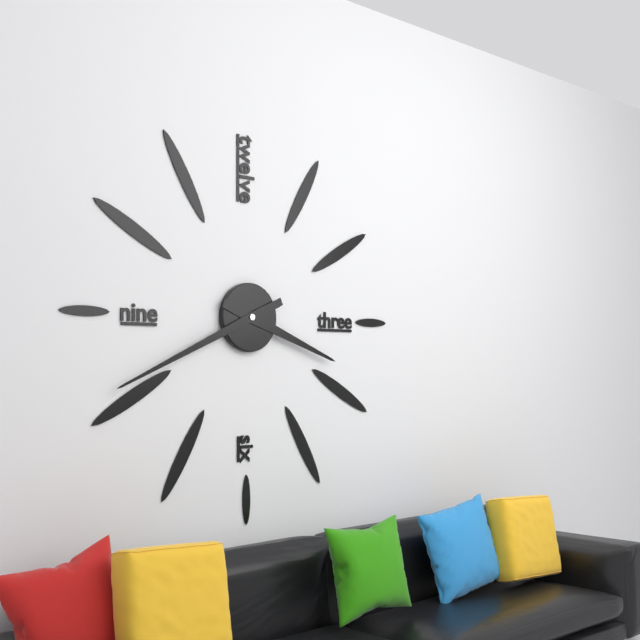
3:41
